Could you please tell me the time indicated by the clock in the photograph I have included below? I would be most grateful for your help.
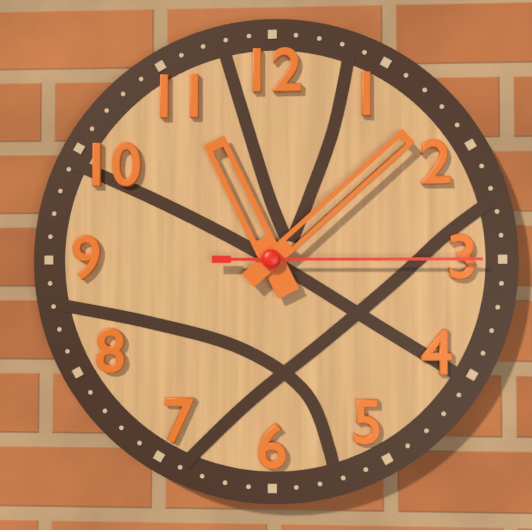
11:08:15
